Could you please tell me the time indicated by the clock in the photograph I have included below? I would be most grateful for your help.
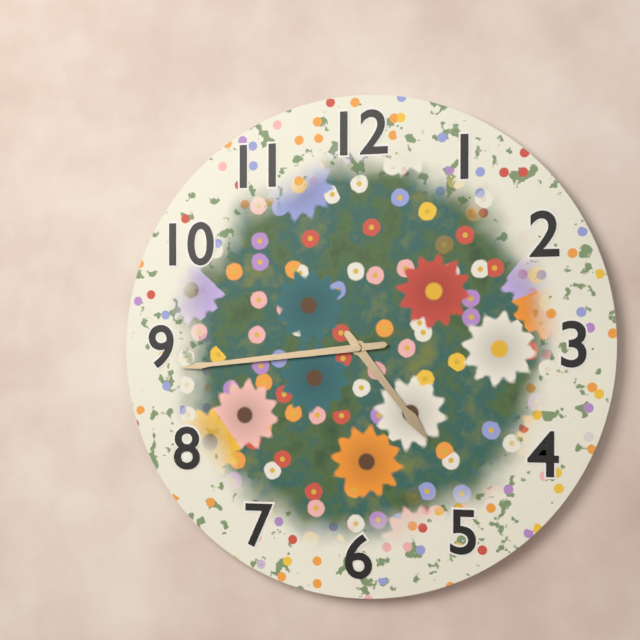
4:44
